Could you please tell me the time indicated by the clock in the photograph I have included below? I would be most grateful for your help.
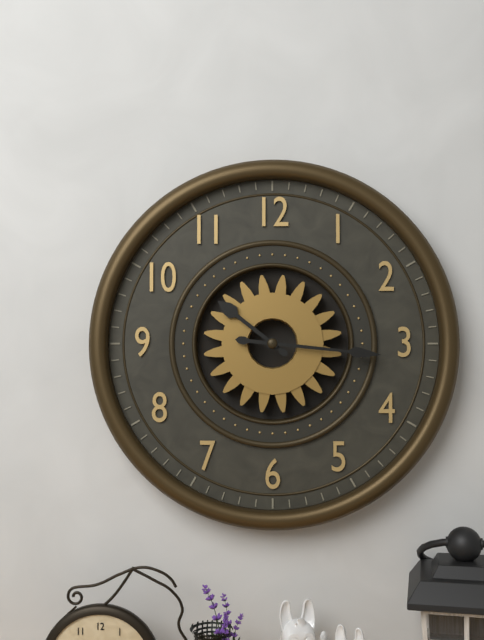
10:16
